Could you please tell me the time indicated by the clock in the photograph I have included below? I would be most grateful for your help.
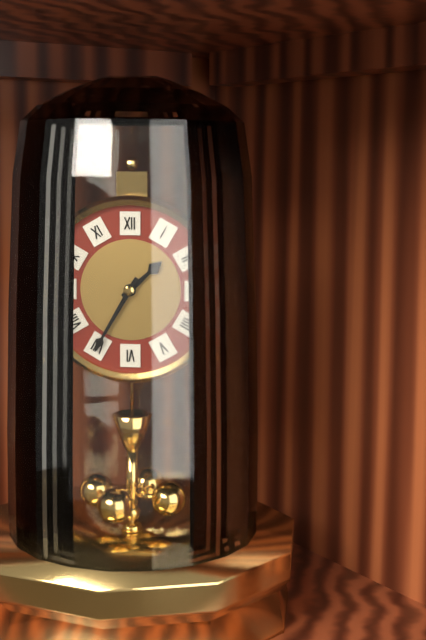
1:35
